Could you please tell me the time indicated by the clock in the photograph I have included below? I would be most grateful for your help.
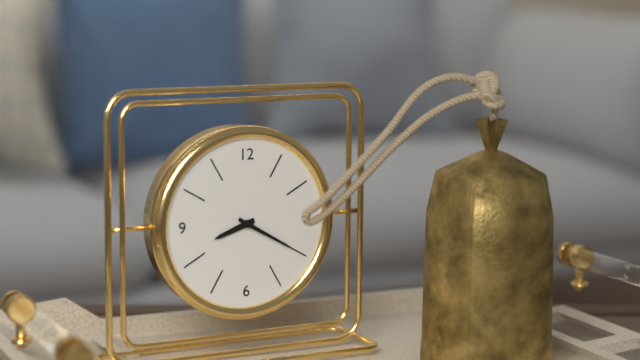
8:20
